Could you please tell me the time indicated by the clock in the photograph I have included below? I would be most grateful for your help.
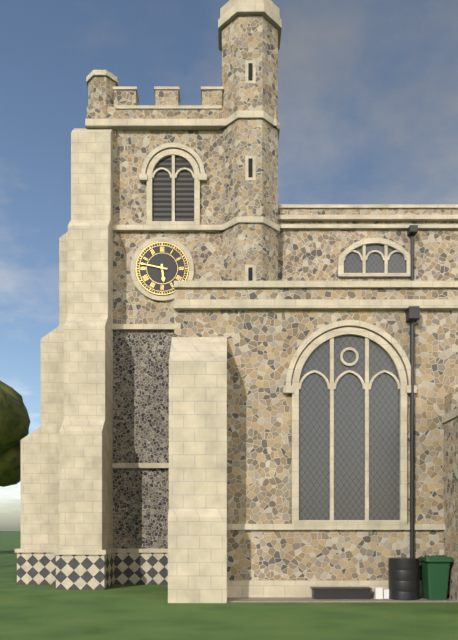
5:47
